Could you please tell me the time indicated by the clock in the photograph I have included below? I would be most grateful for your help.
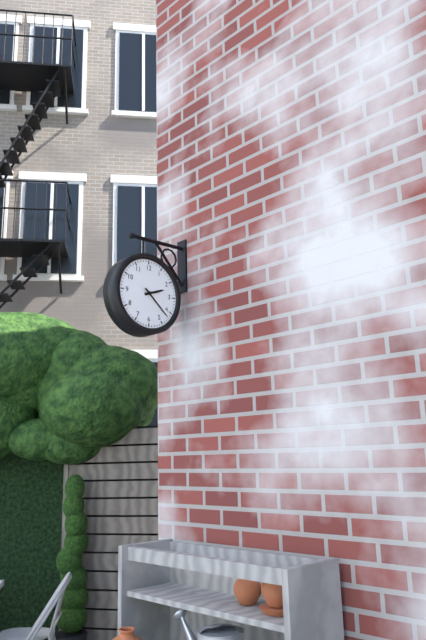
2:22
